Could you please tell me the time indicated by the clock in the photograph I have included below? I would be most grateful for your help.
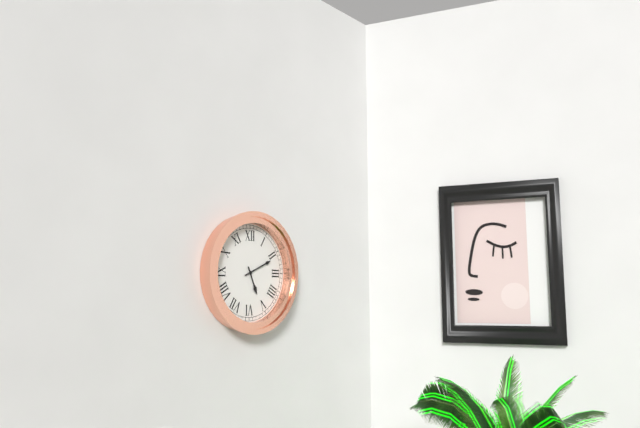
5:11
